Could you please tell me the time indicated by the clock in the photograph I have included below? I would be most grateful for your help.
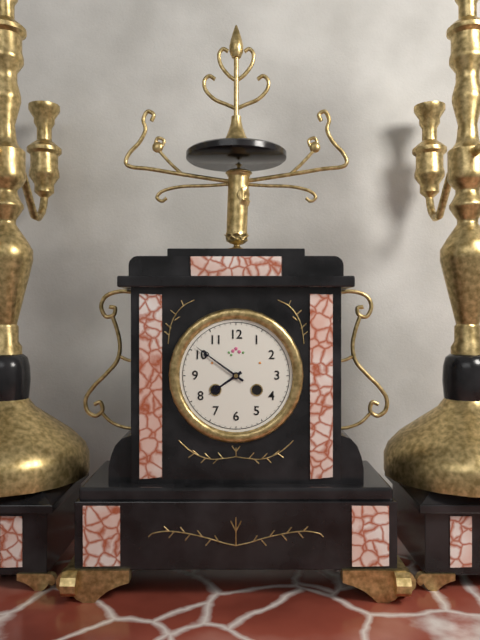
7:51
